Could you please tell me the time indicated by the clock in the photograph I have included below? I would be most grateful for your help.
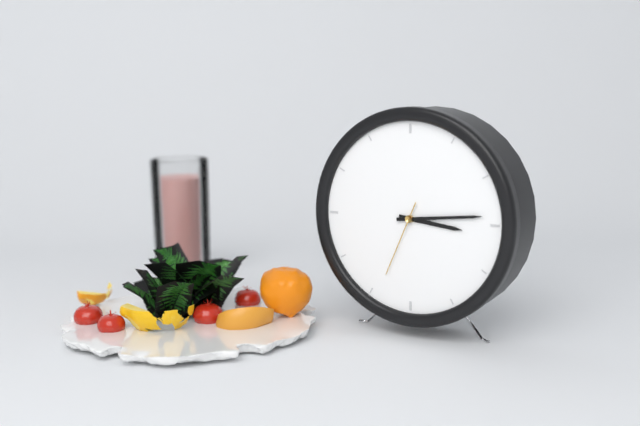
3:14:34
